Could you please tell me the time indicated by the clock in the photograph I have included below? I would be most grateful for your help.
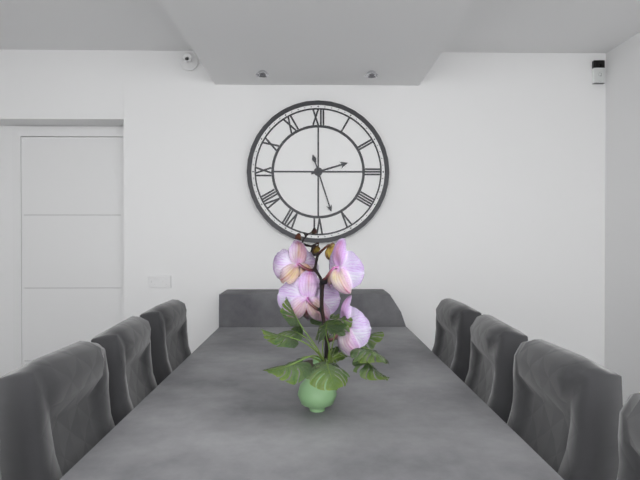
2:27
